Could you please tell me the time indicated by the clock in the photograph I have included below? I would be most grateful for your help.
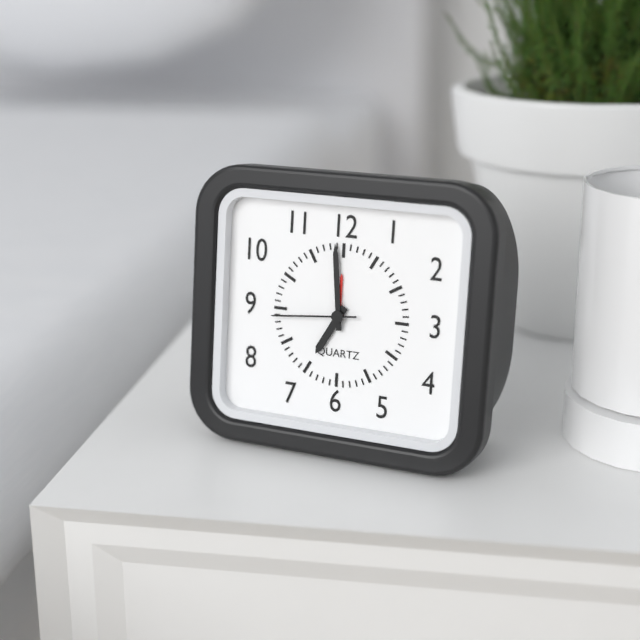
6:59:44
